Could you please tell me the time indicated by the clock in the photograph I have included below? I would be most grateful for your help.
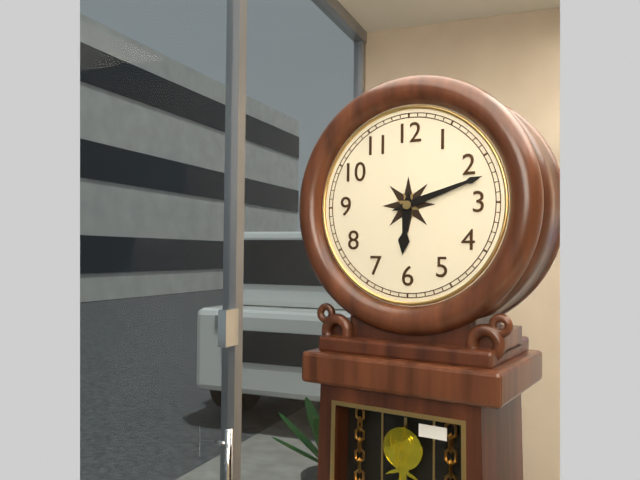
6:12
